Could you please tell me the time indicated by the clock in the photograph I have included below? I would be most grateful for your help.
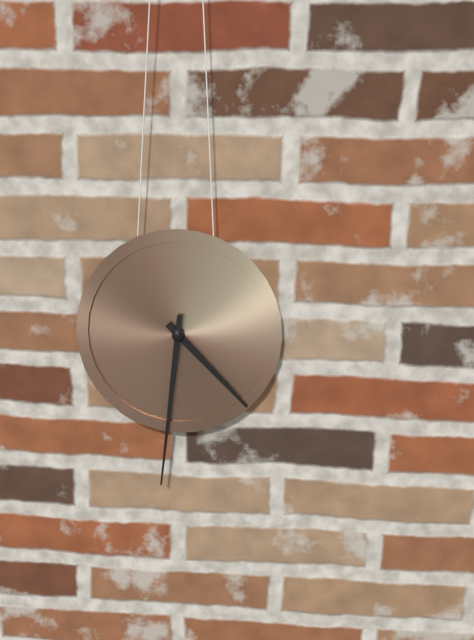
4:31
